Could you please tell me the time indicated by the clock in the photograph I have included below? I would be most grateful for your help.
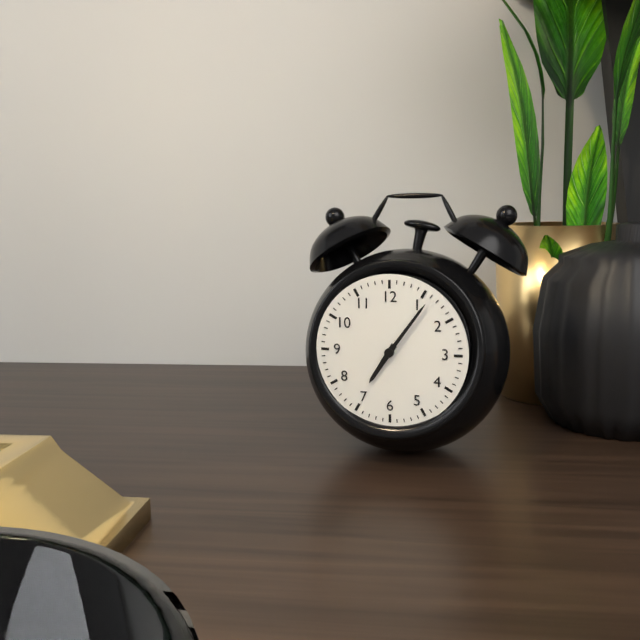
7:06
